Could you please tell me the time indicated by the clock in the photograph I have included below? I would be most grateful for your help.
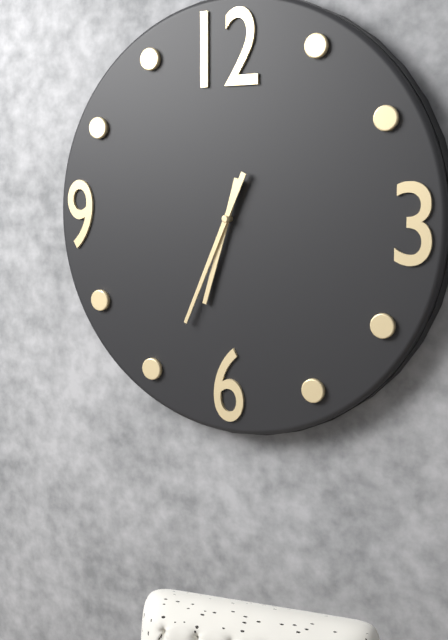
6:34
